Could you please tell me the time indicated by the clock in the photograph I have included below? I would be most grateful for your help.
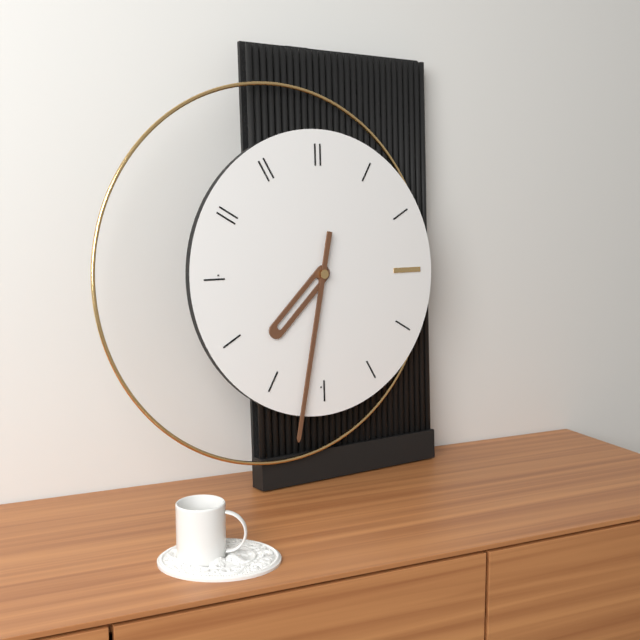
7:32
